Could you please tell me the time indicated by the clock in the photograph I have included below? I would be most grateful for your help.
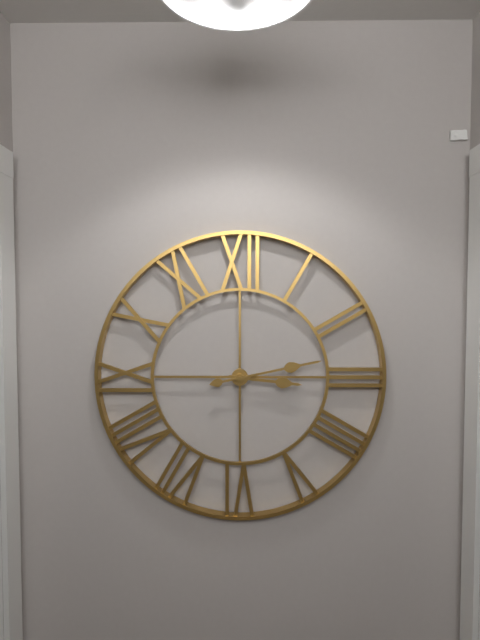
3:13
